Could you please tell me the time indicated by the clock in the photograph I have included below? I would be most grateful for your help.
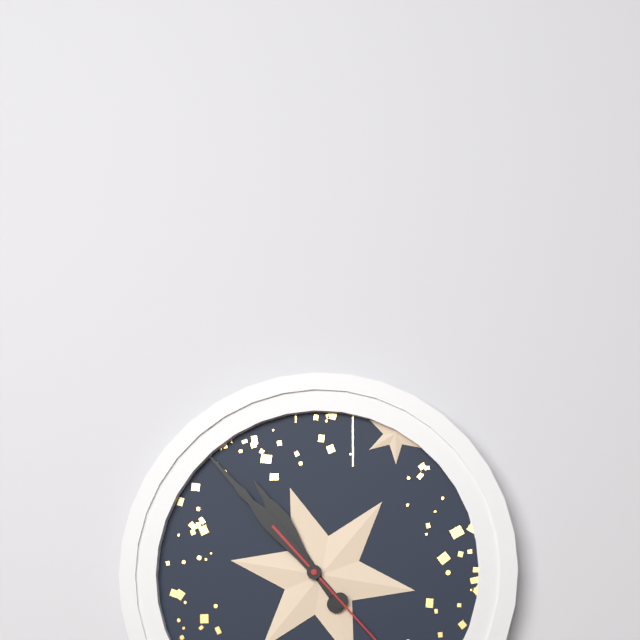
10:53
